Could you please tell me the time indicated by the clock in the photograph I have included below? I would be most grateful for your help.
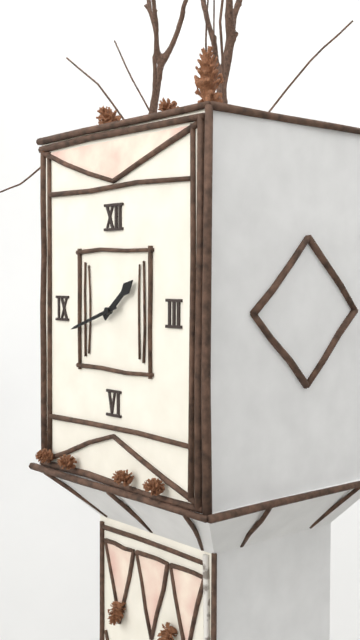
1:42
